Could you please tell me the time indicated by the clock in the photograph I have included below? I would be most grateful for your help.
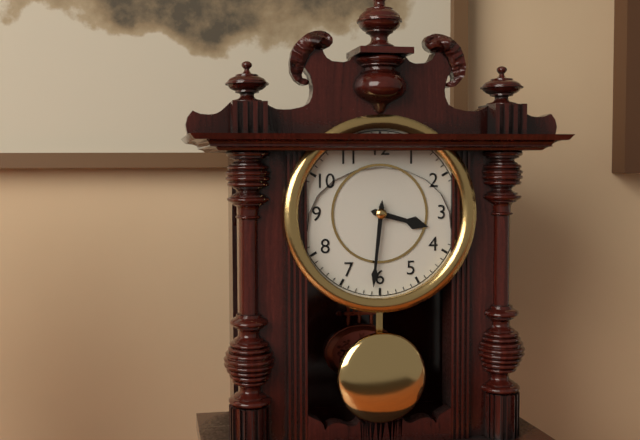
3:31
